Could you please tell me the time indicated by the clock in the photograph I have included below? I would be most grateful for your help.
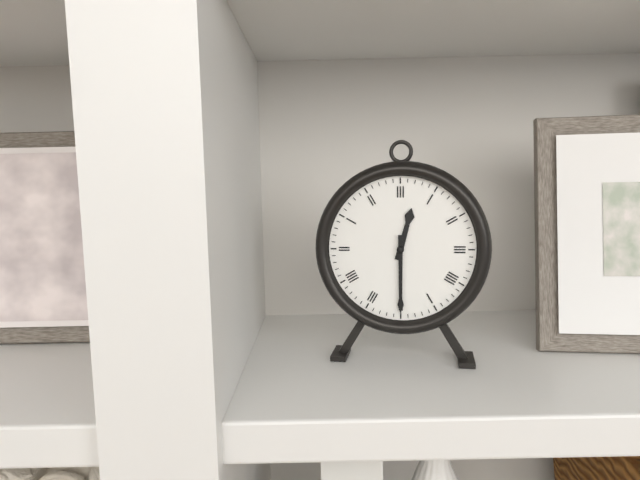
12:30
